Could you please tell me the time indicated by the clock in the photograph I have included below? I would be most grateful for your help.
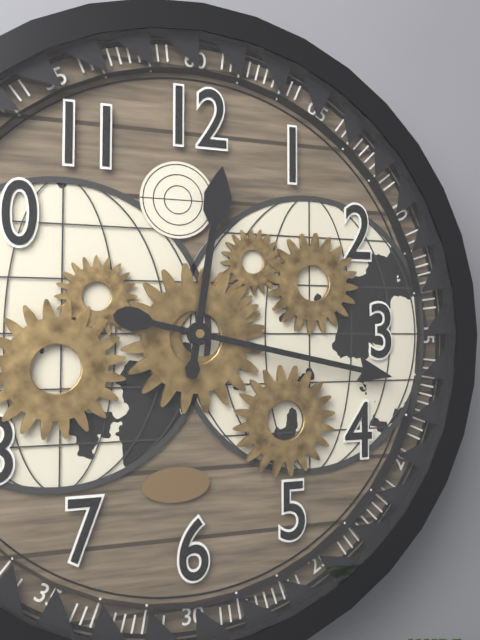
12:17
